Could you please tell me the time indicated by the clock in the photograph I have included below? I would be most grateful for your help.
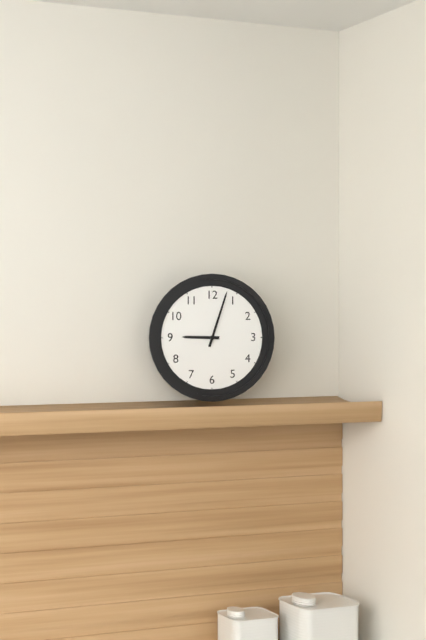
9:03
